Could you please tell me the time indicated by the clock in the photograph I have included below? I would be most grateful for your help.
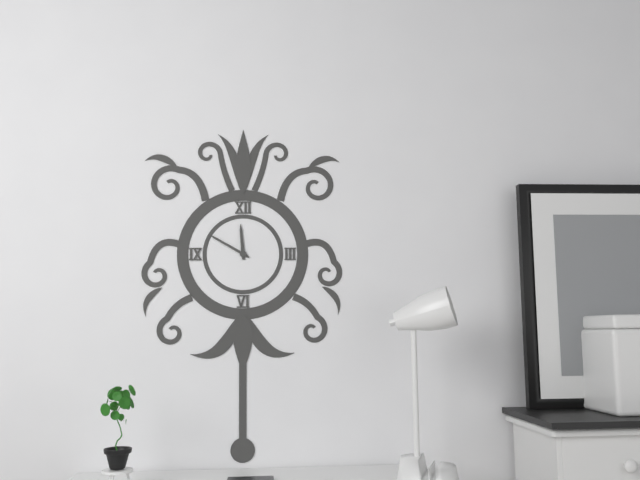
11:50
